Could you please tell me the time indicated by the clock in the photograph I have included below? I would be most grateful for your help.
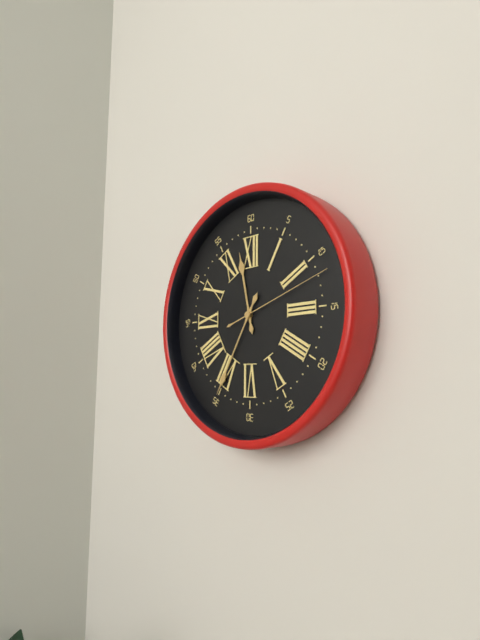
11:35:12
